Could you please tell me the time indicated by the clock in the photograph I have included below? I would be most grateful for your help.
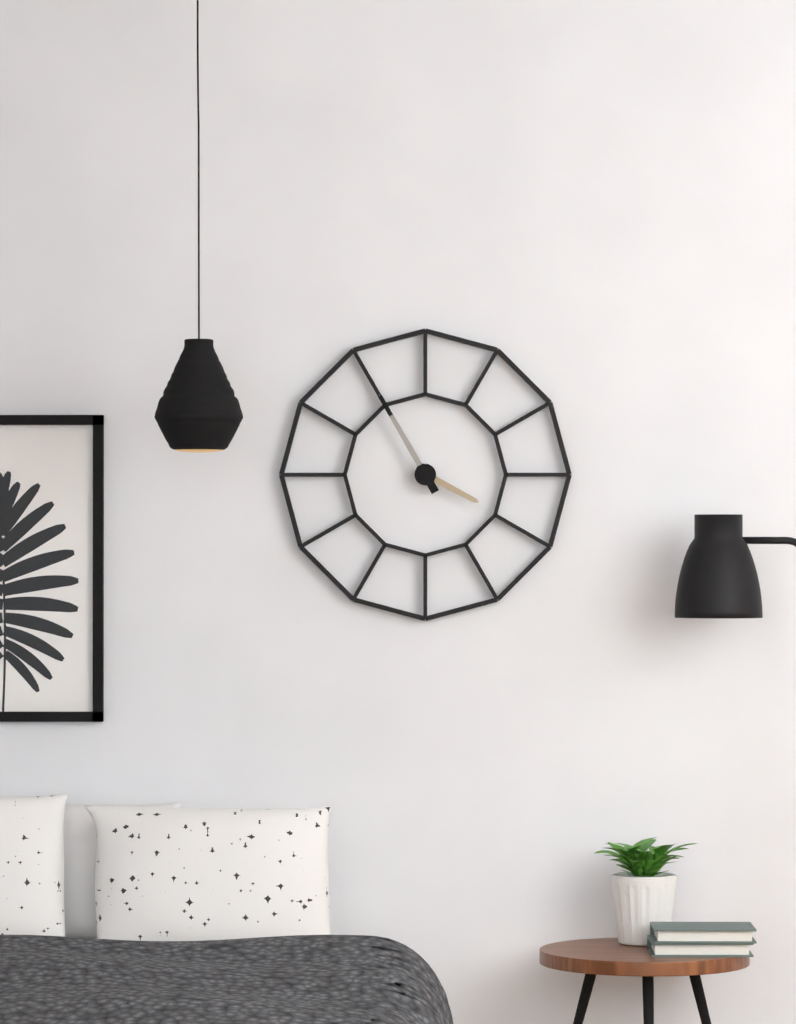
3:55
